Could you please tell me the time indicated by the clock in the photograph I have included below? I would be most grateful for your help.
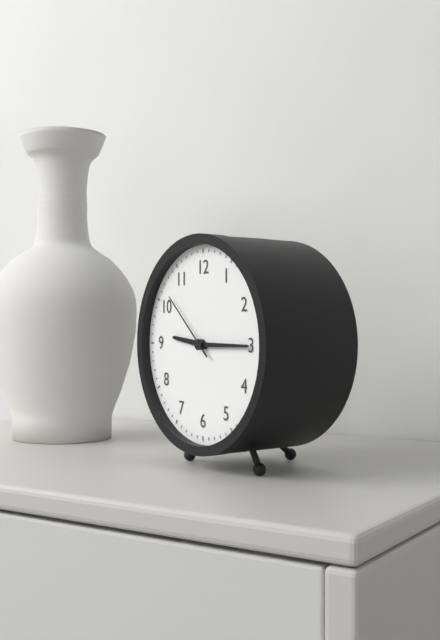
9:15:52
